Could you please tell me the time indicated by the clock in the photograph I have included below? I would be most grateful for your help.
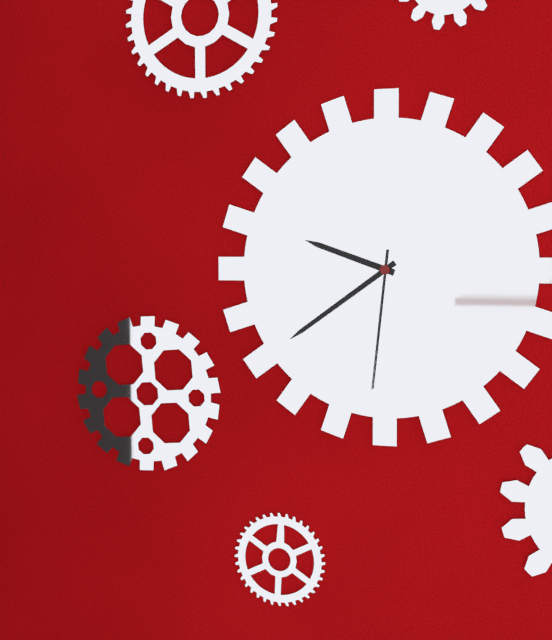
9:39:31
